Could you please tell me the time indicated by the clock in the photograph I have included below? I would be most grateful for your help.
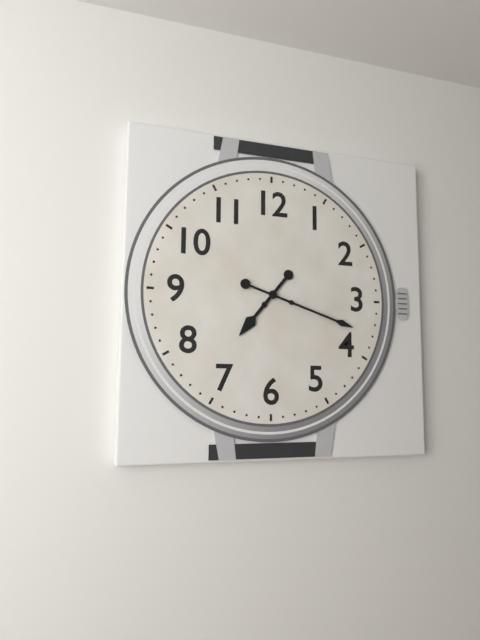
7:18
